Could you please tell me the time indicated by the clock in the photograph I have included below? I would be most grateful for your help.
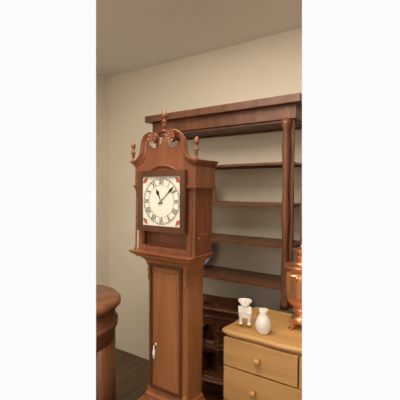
11:08
